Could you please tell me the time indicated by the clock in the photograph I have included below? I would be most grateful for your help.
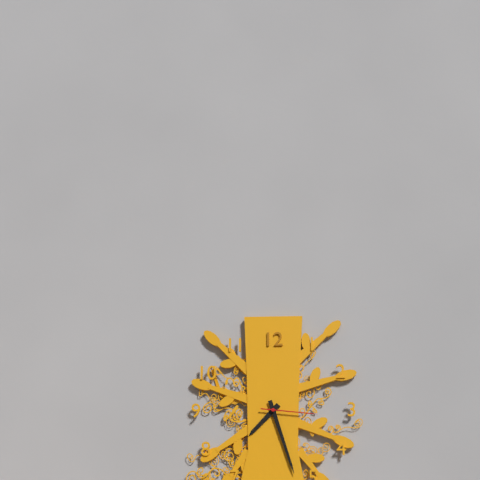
7:27:16
